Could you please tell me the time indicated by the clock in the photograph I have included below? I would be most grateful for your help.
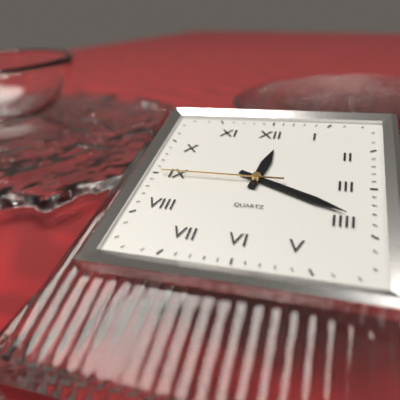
12:19:45
